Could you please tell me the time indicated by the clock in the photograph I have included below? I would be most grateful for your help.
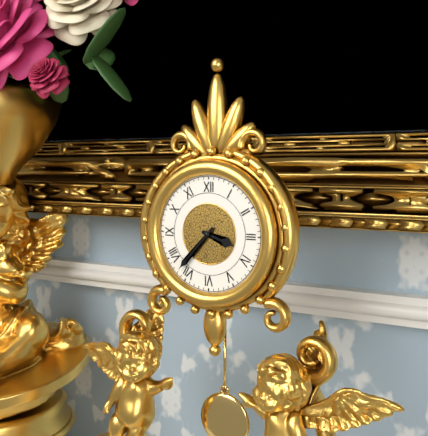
3:37
